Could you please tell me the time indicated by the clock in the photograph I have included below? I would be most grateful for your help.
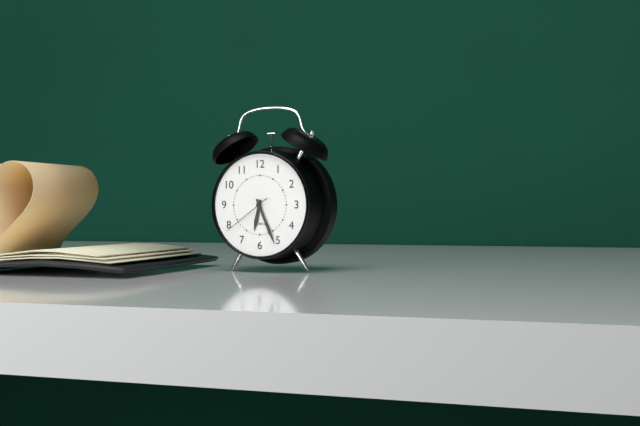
6:26:39
